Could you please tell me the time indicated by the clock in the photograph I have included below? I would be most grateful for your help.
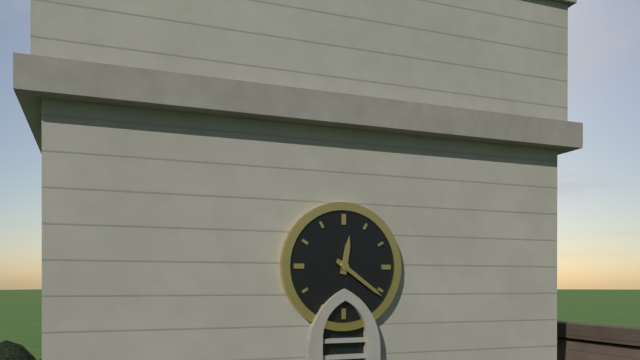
12:21
